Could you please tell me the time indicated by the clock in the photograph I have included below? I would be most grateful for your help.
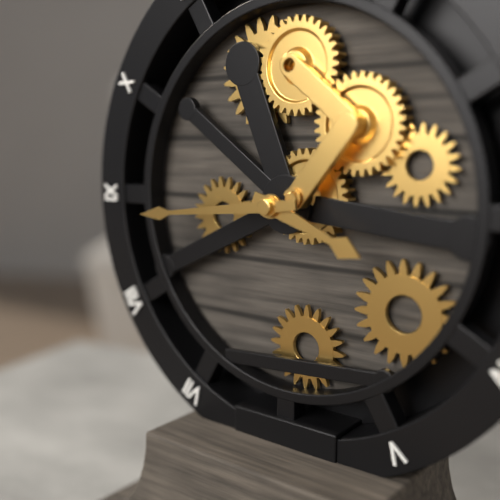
3:44
